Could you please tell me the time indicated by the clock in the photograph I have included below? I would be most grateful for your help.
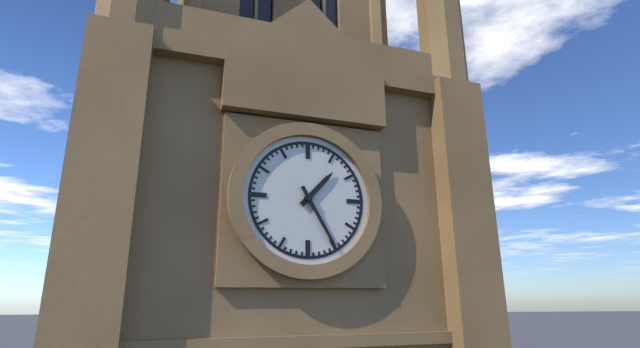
1:25
